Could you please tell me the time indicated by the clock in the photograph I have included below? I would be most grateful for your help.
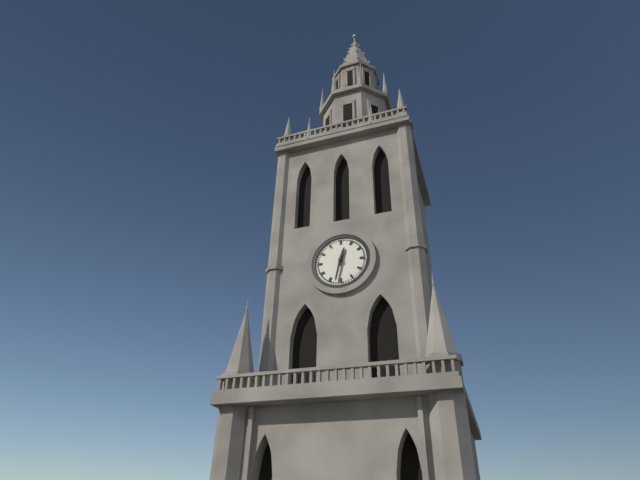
12:32
